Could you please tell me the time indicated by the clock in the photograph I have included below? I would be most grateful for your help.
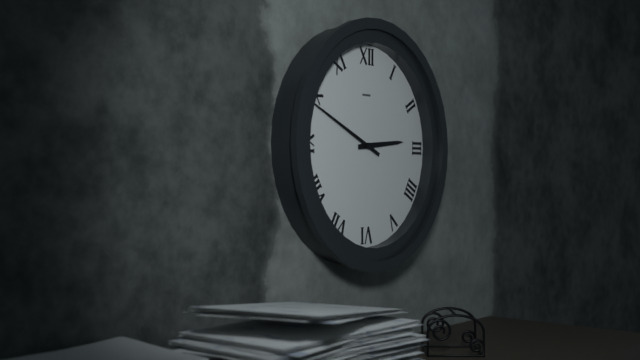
2:49
